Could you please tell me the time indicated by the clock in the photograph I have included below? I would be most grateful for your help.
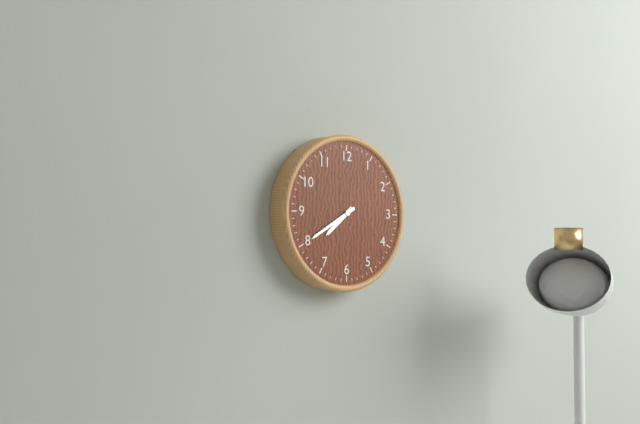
7:40
